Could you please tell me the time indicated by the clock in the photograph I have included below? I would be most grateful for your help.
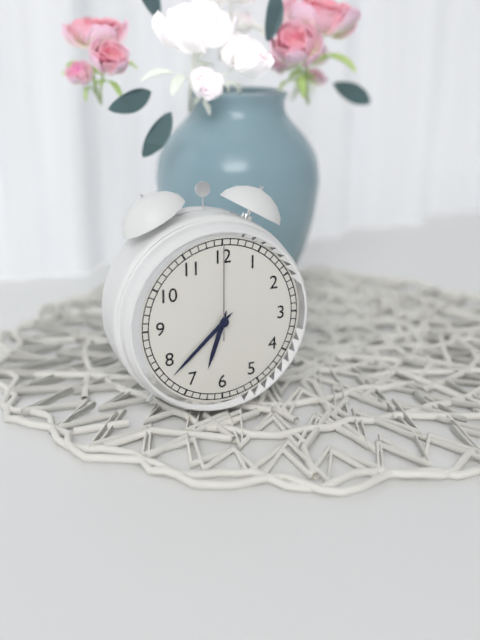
6:38:00
